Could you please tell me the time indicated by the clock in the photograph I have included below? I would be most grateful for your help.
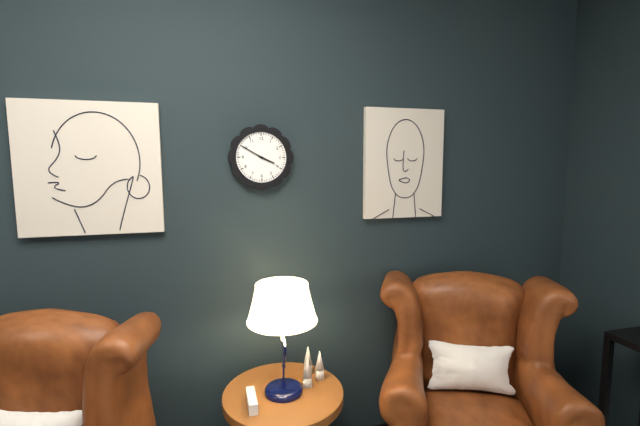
3:50
